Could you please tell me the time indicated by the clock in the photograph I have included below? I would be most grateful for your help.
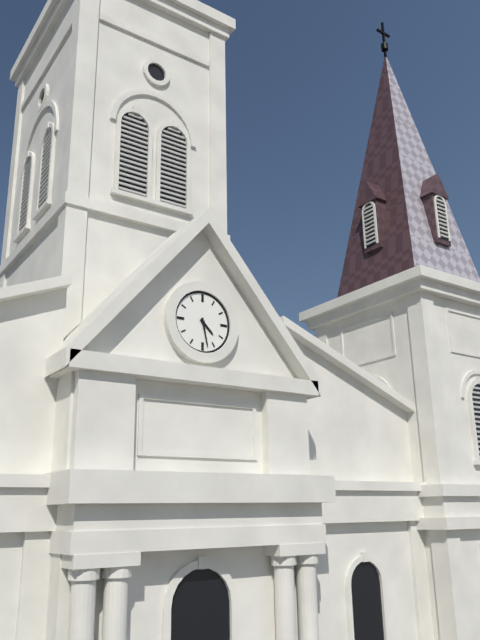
4:28
